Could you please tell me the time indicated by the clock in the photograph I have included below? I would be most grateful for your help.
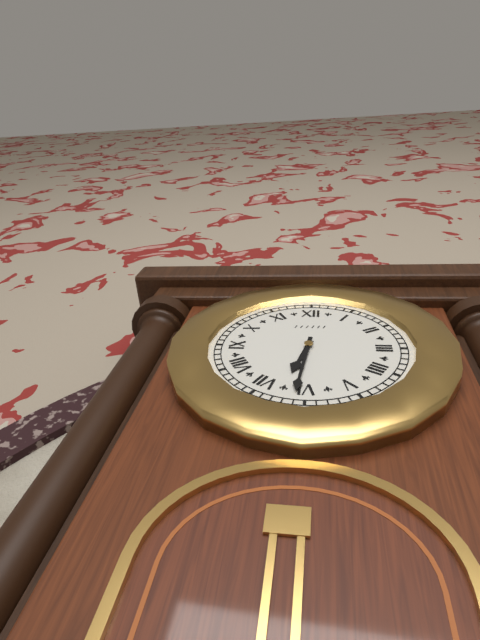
6:31
